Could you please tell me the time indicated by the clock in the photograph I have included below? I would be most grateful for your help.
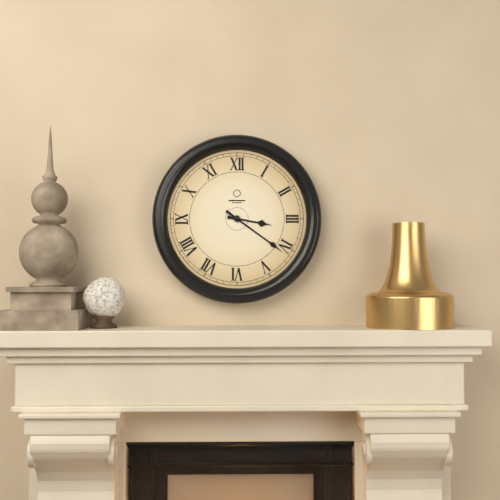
3:21
